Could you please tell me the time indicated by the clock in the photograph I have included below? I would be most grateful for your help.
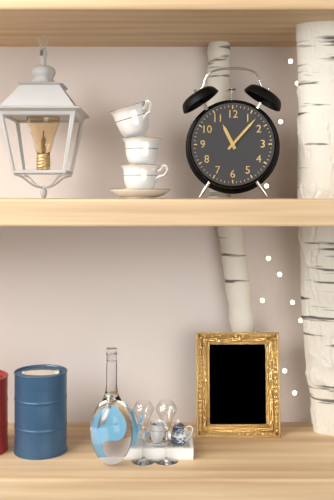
11:07
